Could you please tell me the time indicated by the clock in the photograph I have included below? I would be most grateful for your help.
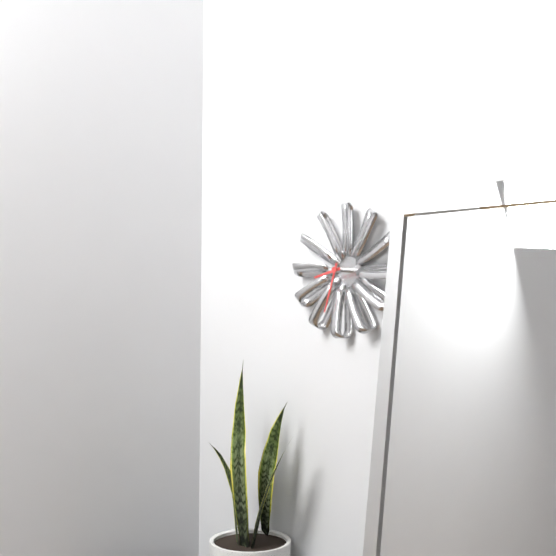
8:33
